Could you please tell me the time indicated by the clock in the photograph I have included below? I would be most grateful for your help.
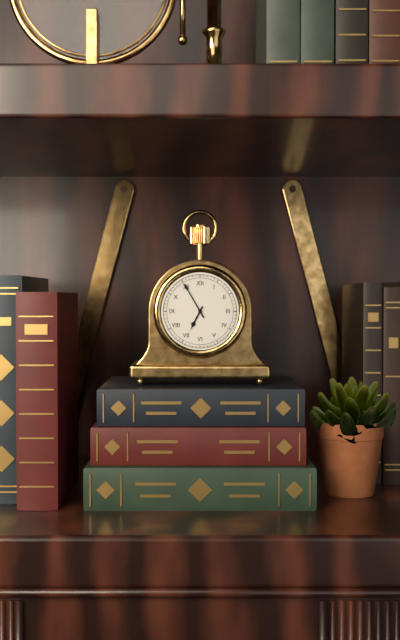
6:55
